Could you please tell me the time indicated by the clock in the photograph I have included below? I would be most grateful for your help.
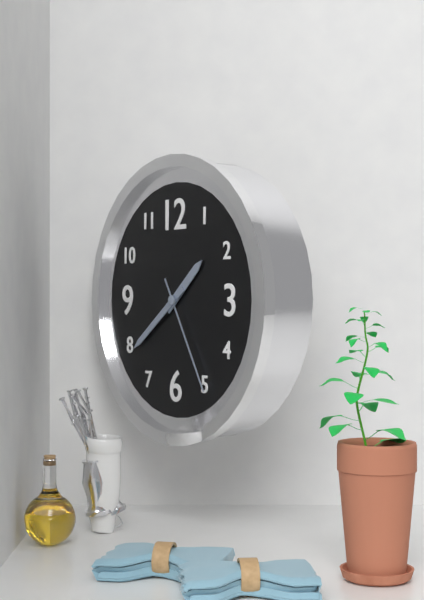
1:39:25
